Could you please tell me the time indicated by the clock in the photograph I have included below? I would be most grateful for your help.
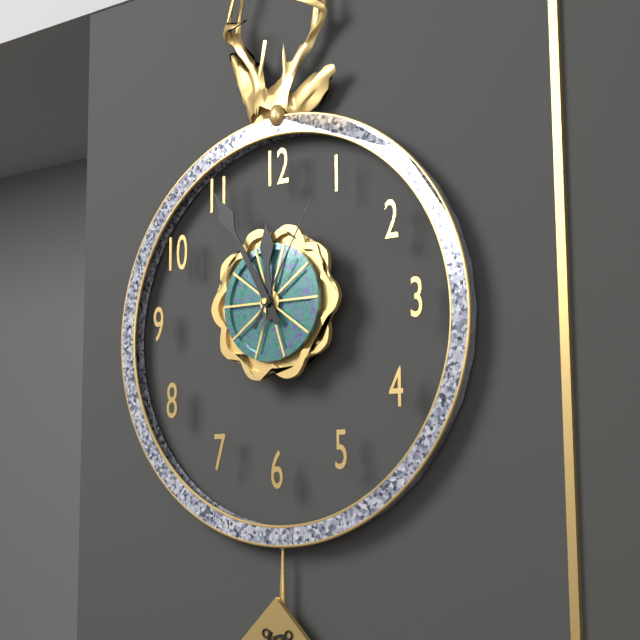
11:55:05
